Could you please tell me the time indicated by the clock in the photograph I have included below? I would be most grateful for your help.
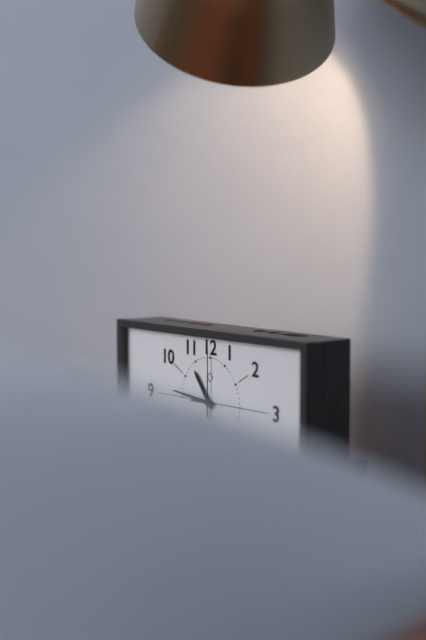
10:46:00
